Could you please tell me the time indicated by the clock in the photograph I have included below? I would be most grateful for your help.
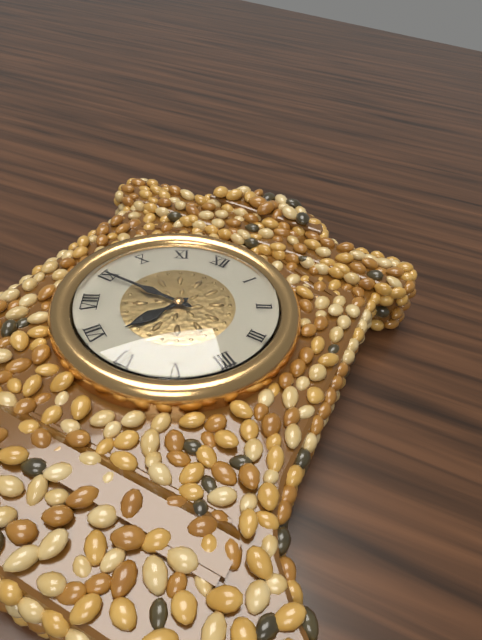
6:45
